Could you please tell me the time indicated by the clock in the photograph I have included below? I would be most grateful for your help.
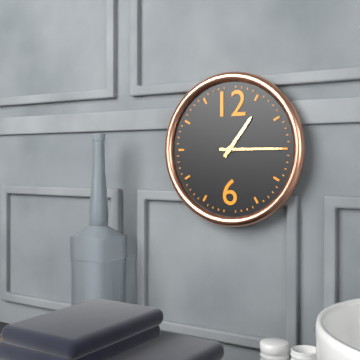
1:15
